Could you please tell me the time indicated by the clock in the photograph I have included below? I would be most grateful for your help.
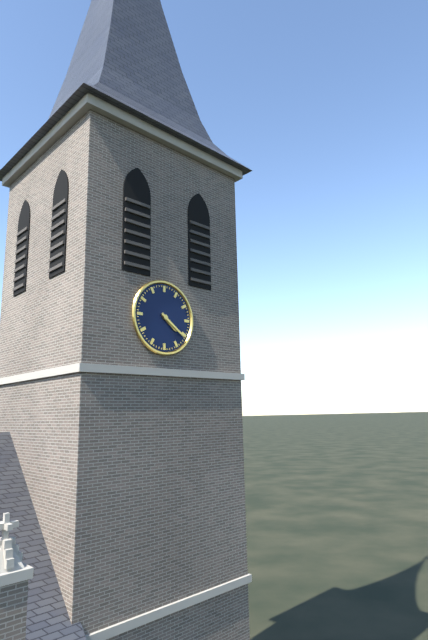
4:21
